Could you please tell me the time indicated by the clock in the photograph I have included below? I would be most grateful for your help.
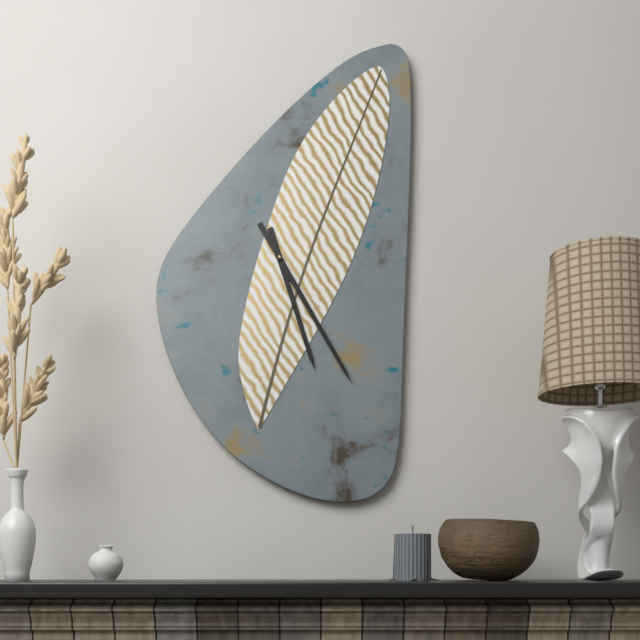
5:25
